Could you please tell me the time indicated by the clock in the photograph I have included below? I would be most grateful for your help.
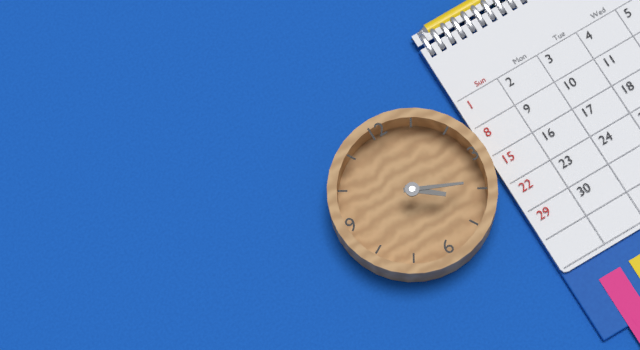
4:19
